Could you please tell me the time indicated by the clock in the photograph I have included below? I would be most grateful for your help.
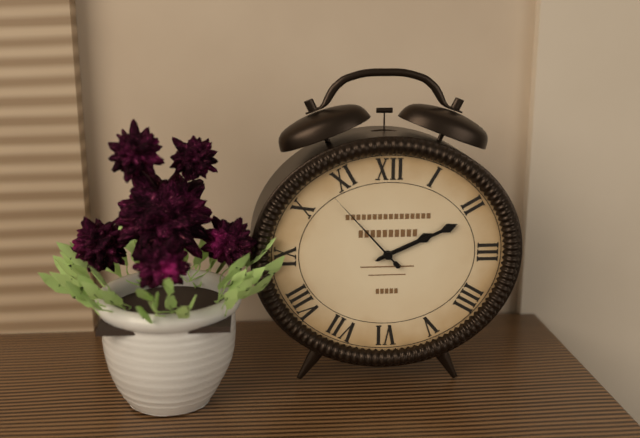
2:11:53
